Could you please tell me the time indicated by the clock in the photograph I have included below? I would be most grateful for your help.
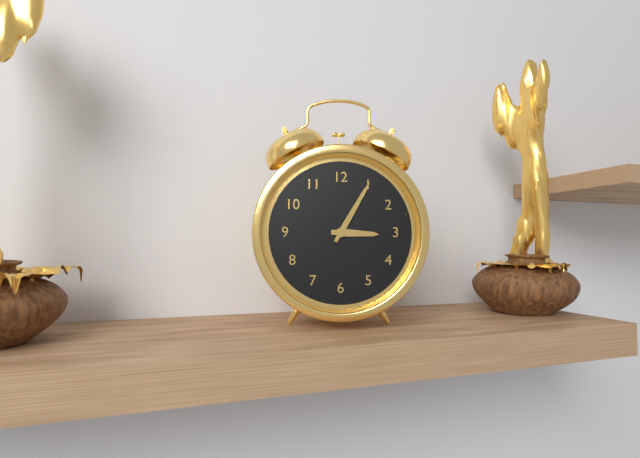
3:05
